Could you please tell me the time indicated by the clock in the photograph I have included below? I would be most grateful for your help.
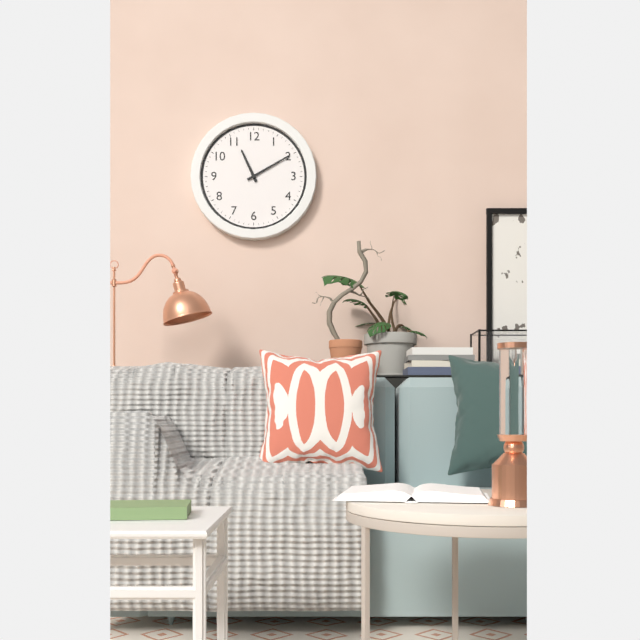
11:10
